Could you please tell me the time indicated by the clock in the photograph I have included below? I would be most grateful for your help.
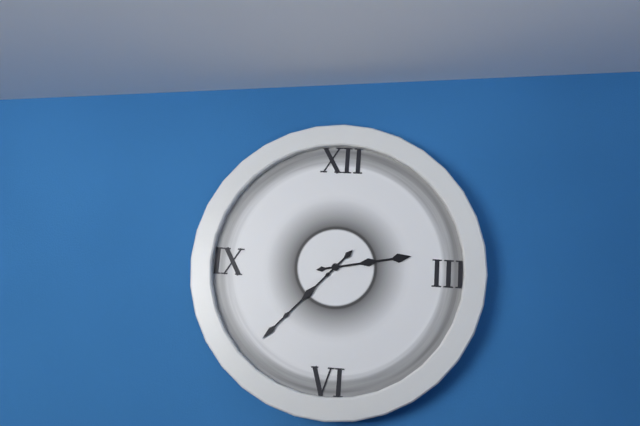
2:37
